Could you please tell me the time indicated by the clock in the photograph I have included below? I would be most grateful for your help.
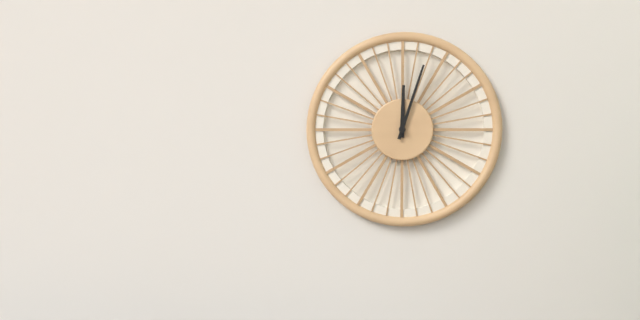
12:03
